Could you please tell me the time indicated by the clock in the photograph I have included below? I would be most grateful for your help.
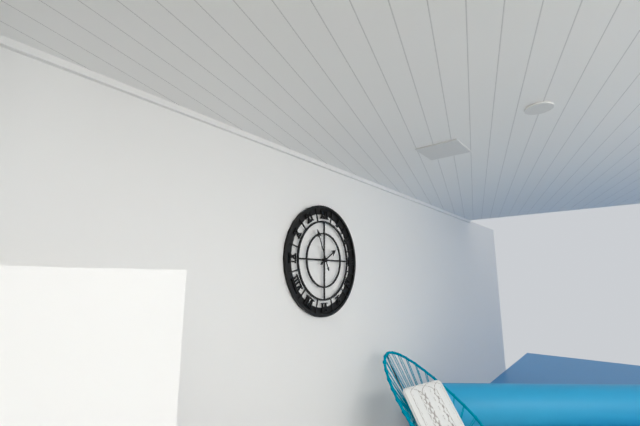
1:56
